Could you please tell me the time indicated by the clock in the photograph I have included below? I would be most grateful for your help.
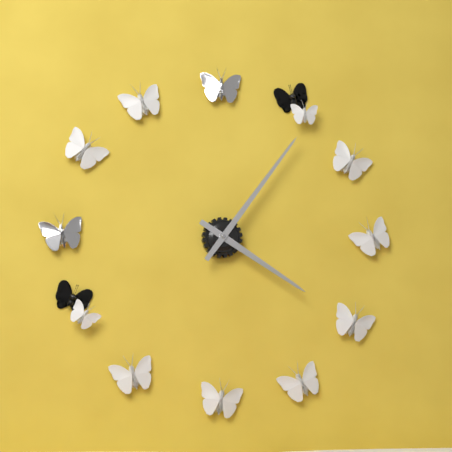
4:06
